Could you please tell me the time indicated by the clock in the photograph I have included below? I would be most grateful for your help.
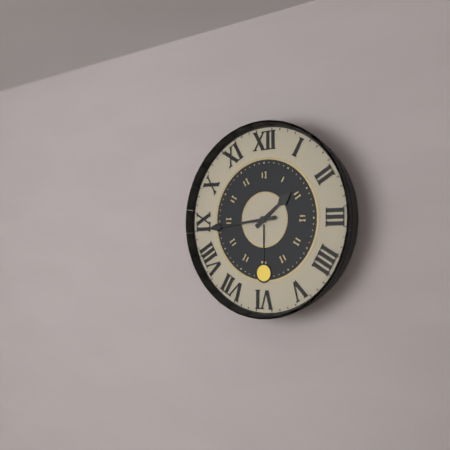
1:44
